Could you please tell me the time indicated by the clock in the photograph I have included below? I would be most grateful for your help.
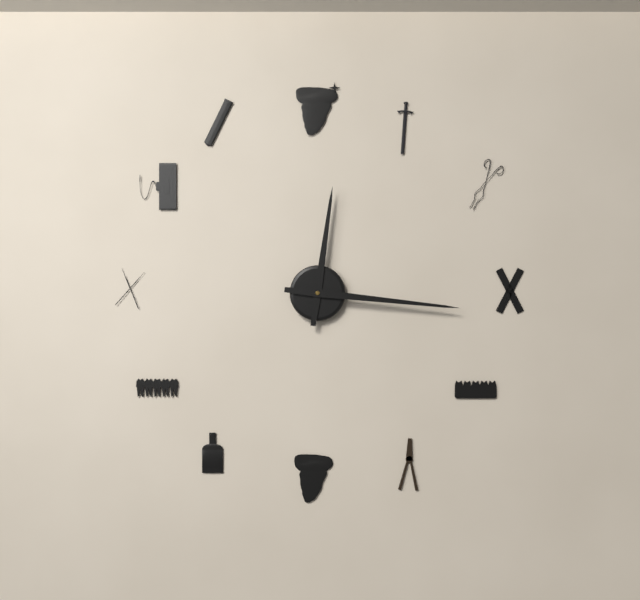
12:16
